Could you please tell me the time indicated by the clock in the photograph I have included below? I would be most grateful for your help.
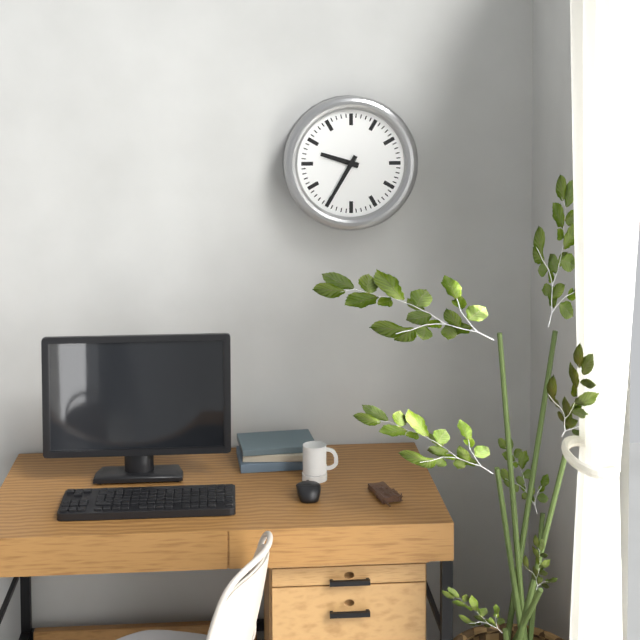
9:35
